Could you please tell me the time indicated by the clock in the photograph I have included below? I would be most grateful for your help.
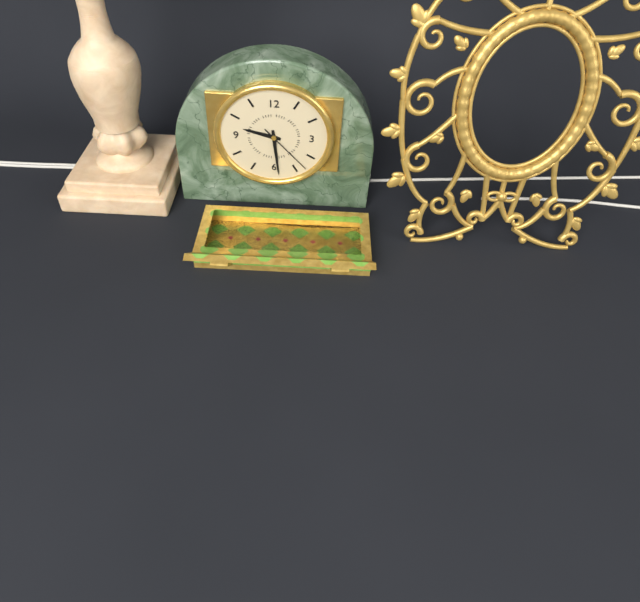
9:29:23
